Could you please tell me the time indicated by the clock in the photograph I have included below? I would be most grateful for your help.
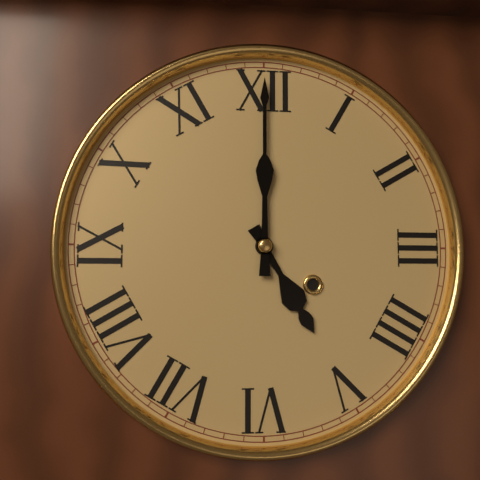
5:00
